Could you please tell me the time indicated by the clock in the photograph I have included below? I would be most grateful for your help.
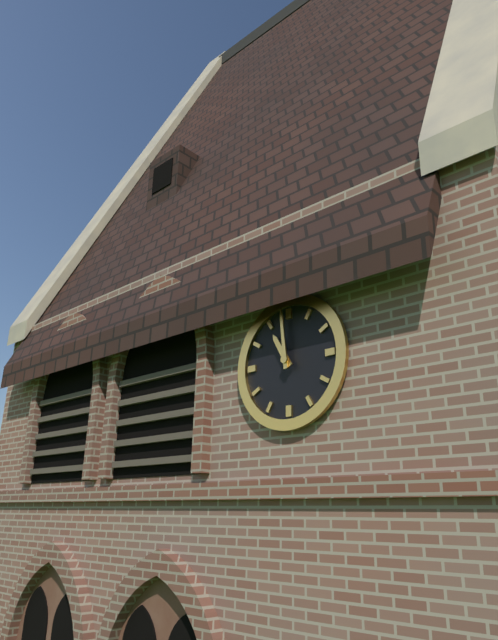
10:59
